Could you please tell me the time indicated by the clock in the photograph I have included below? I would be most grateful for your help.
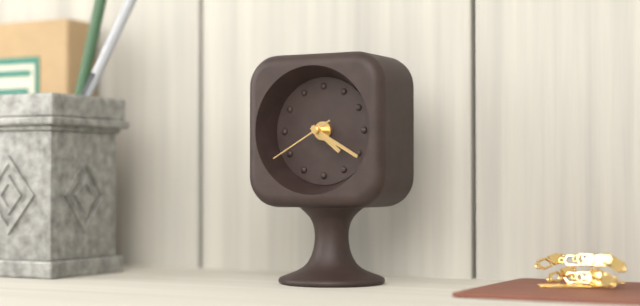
4:20:40
